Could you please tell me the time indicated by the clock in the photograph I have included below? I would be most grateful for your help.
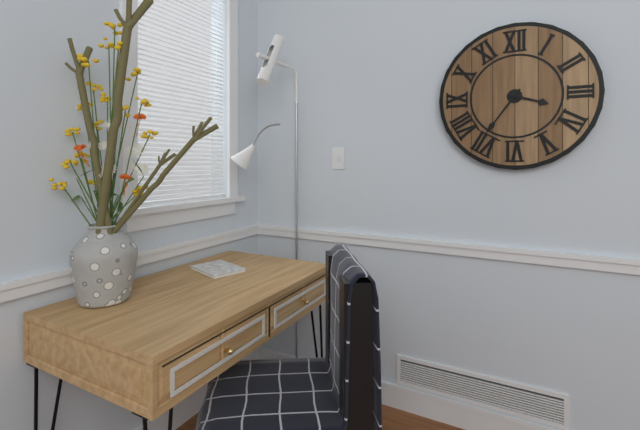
3:36
